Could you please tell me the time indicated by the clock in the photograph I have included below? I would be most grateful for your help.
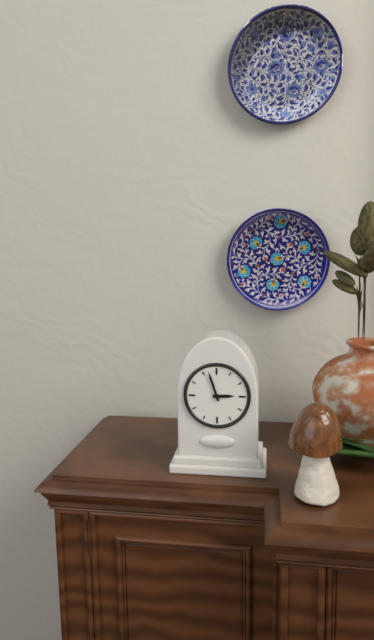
2:57
